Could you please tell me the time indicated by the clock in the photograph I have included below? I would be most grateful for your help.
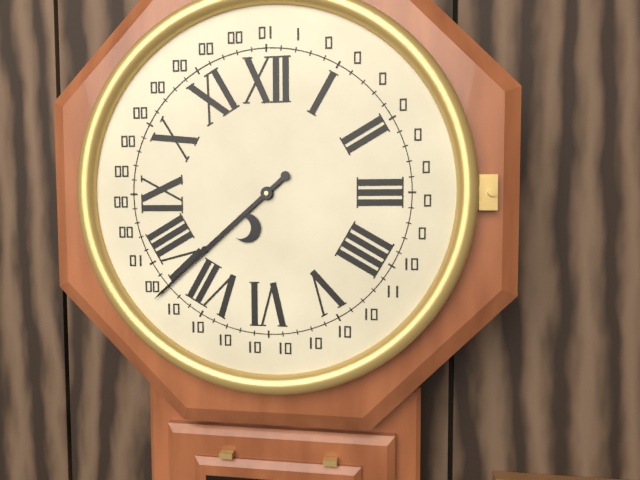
7:38
